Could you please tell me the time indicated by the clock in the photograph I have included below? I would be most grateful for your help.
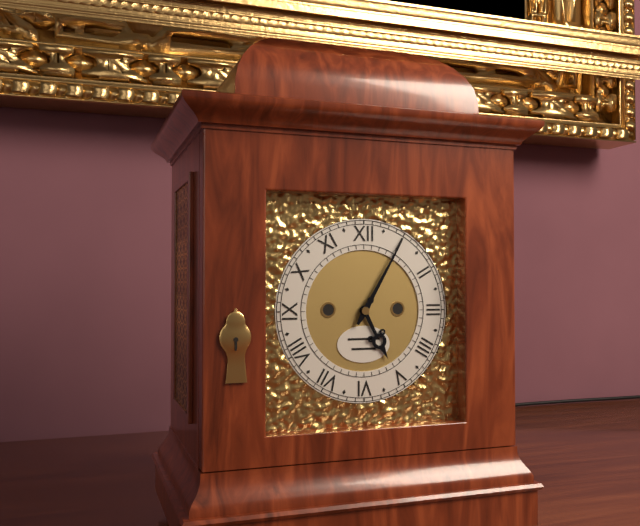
5:05
